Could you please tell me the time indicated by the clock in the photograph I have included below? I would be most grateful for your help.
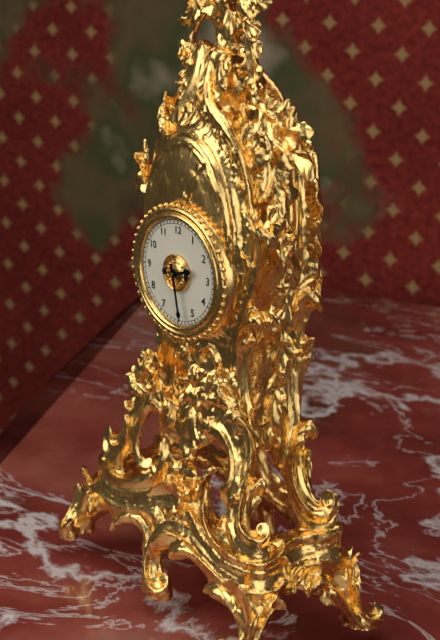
2:28
